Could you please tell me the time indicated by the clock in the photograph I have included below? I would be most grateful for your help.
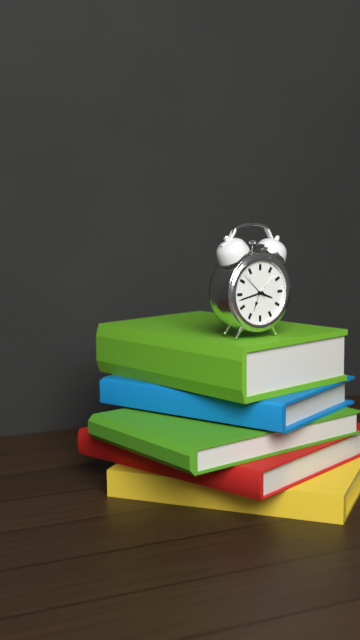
3:43
